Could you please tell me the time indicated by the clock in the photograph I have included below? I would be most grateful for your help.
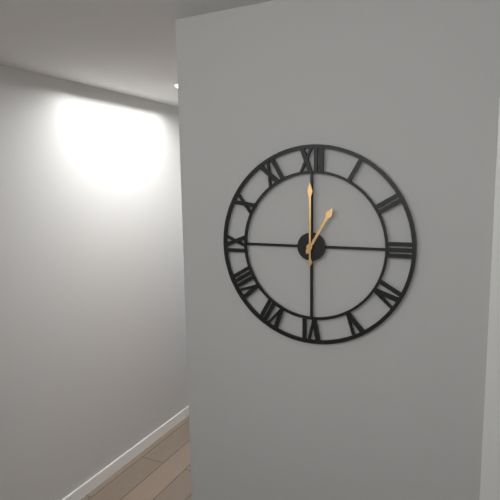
1:00
